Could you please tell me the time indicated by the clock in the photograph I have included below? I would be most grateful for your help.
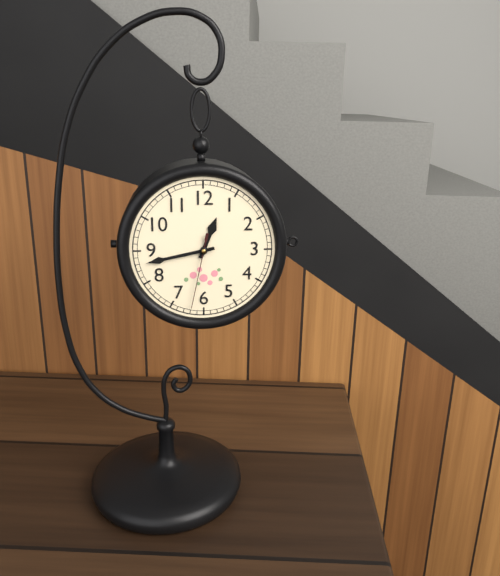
12:43:32
